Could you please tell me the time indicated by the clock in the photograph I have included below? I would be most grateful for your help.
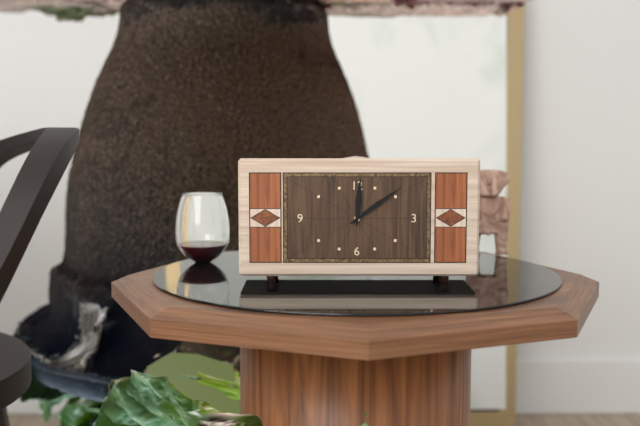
12:09
